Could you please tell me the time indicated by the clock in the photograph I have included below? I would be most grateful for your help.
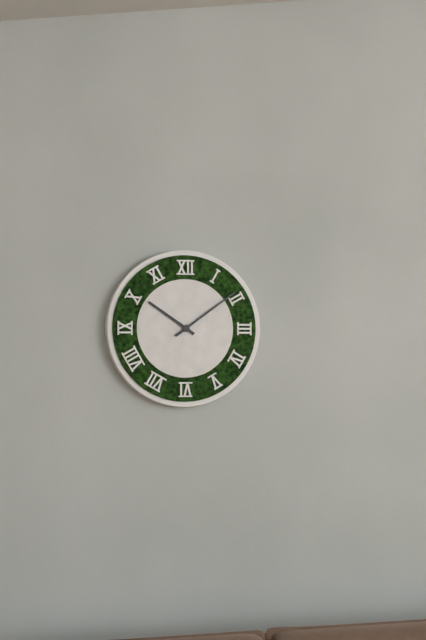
10:09
